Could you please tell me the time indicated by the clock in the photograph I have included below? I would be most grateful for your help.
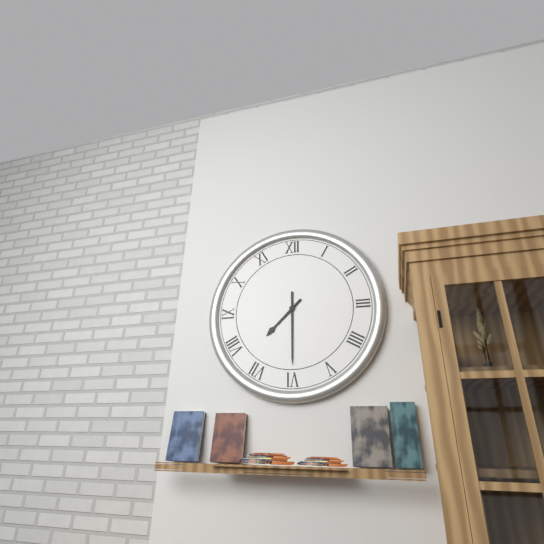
7:30
